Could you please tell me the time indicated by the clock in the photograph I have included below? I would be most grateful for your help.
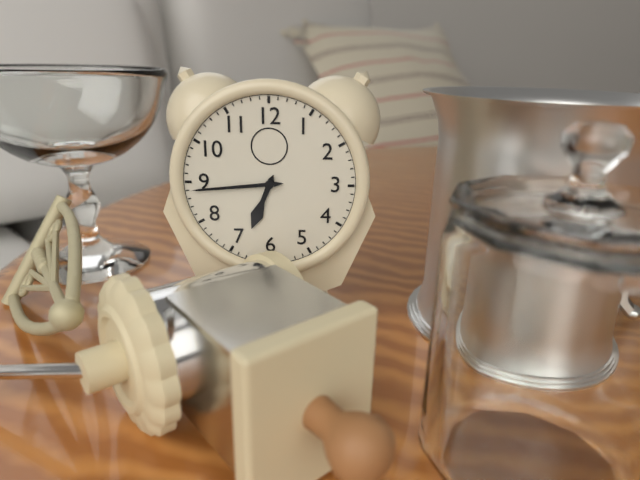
6:44
